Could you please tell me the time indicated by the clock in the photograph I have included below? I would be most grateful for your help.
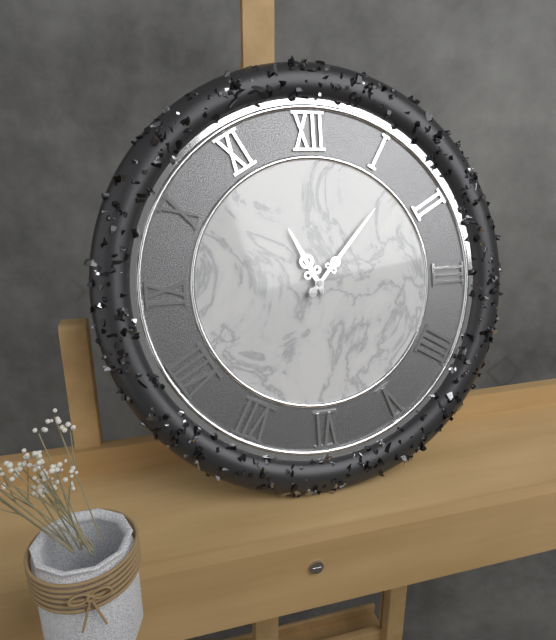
11:07
